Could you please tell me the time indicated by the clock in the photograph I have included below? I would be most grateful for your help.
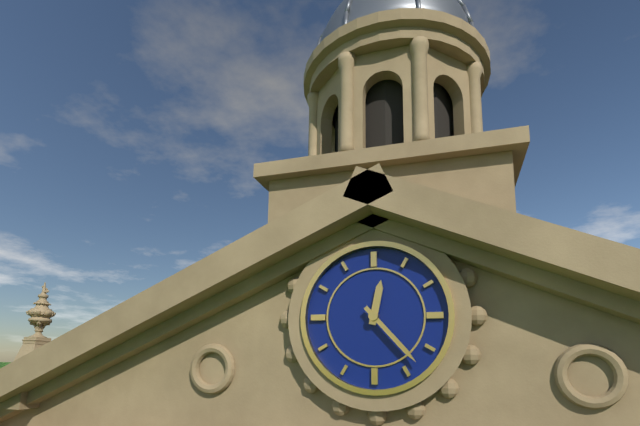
12:23
